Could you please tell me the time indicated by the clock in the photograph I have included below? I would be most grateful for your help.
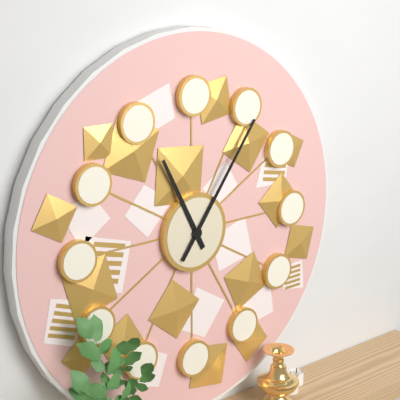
11:06
